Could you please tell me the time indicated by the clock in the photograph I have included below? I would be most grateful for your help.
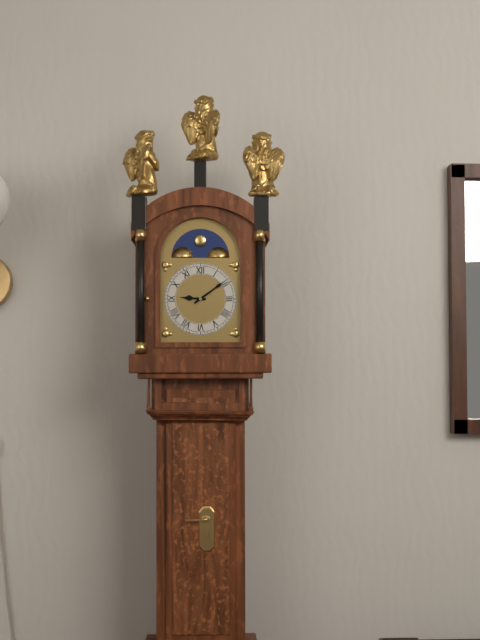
9:09
